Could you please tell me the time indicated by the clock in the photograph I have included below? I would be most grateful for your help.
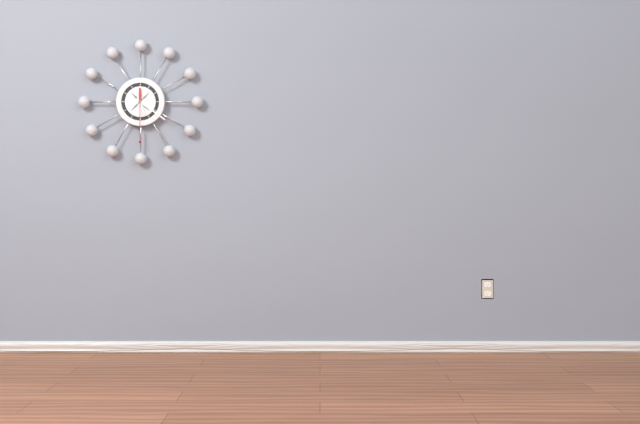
5:21:30
